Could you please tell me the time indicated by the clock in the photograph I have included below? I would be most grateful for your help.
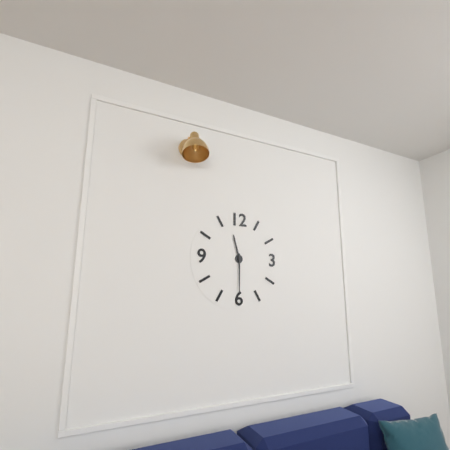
11:30
